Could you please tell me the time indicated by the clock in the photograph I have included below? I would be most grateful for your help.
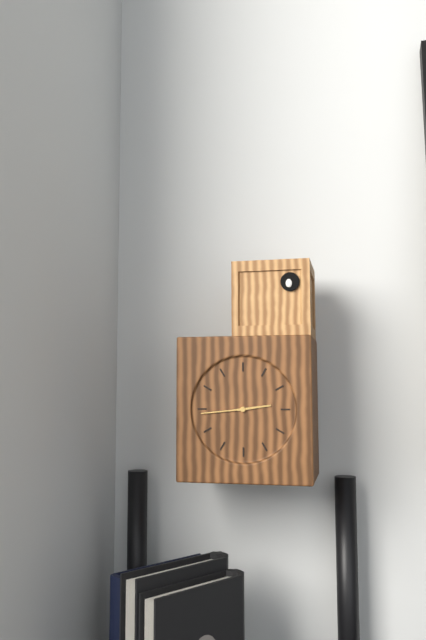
2:44
